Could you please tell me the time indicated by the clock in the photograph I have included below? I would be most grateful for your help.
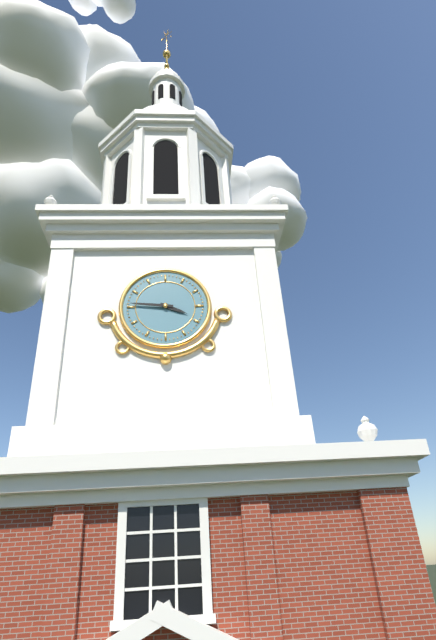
3:46
